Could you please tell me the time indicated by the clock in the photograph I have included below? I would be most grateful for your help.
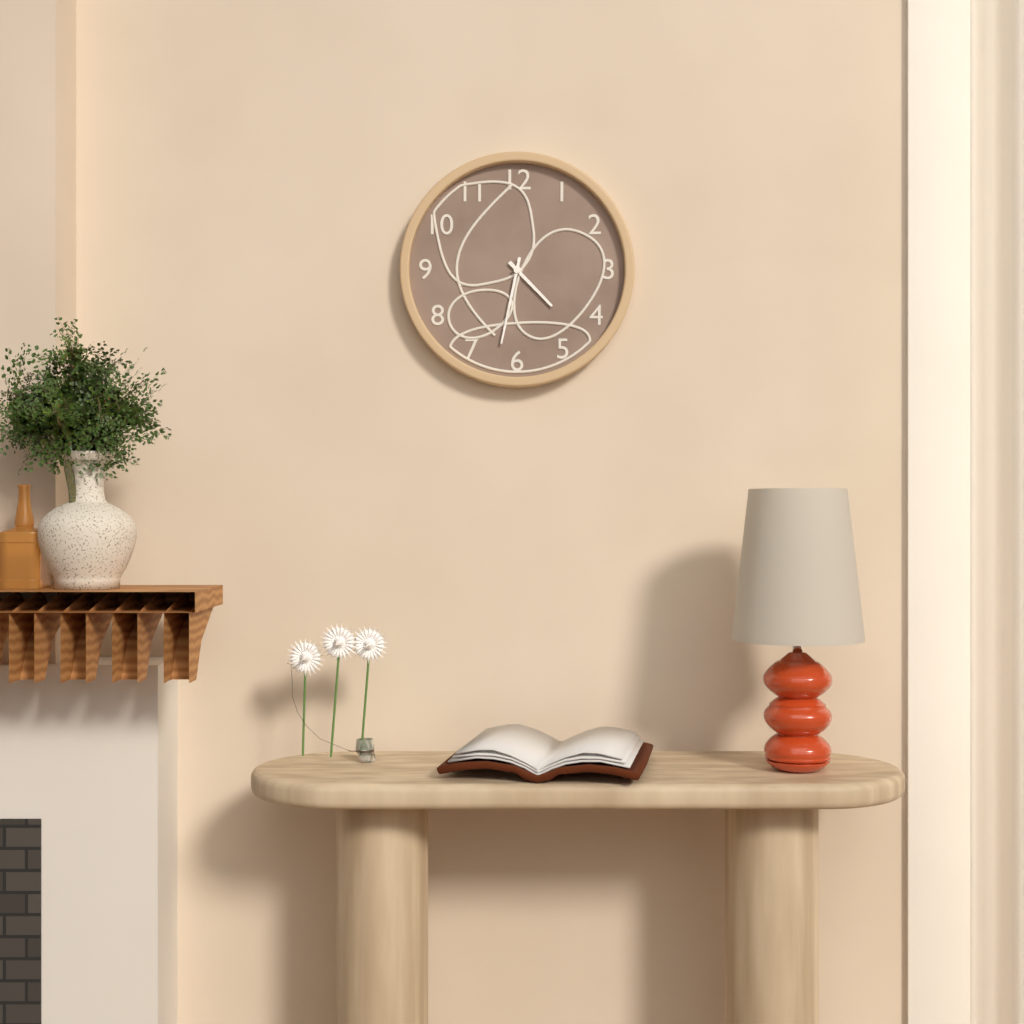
4:32
